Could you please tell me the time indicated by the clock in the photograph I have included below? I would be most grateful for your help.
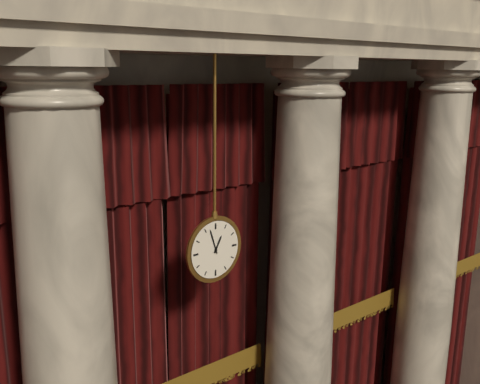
12:57
